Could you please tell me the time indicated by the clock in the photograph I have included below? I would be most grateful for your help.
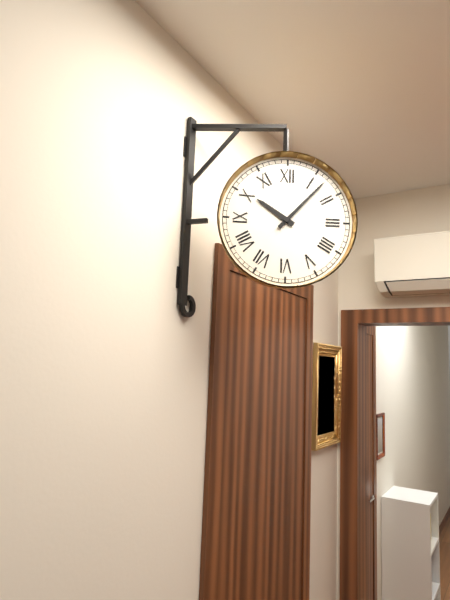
10:07
